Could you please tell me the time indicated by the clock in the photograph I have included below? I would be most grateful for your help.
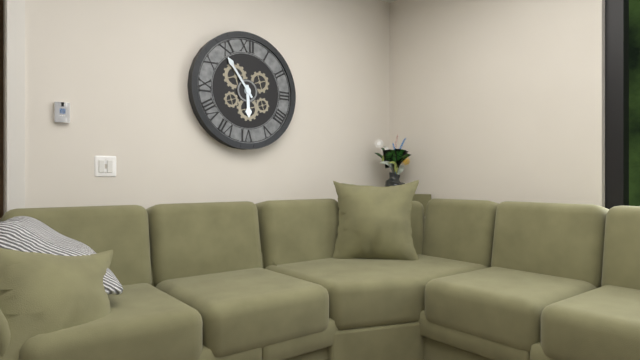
5:54
